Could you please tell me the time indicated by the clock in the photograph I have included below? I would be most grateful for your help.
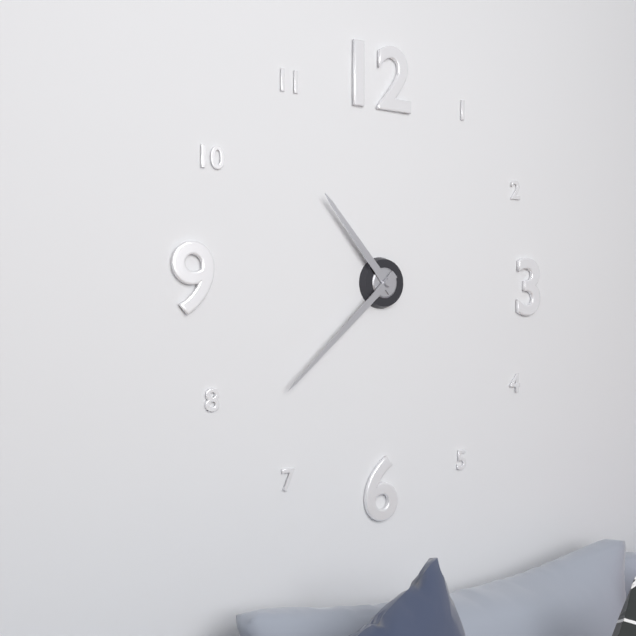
10:38
